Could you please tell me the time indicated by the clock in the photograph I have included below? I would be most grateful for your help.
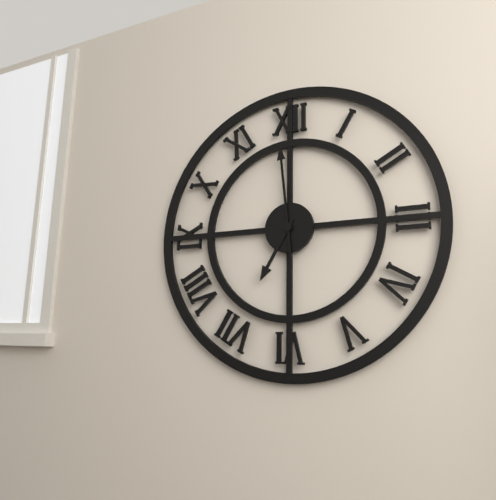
6:59
